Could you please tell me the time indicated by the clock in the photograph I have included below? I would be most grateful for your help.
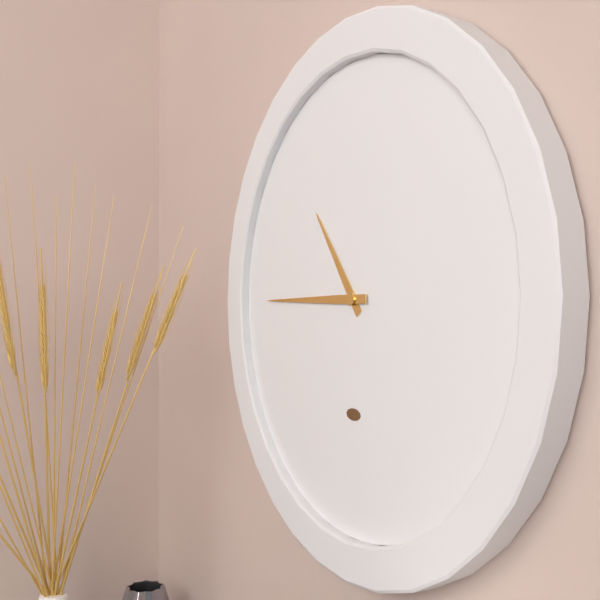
10:45
